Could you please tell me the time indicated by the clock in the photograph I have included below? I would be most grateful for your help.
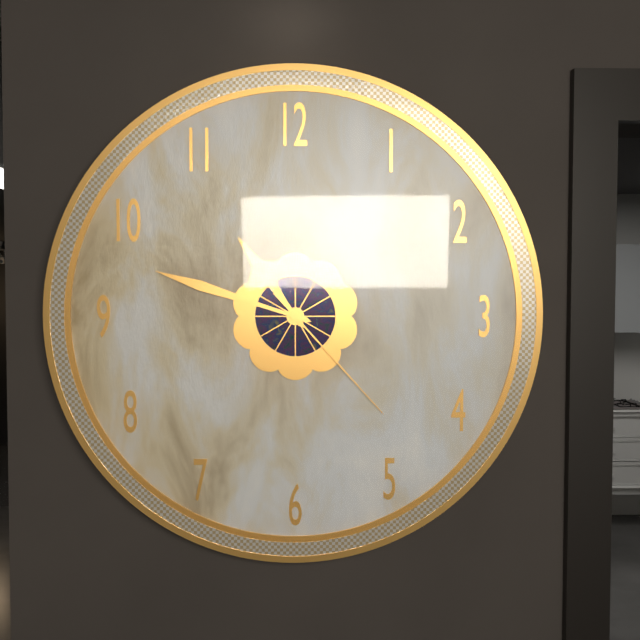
10:48:23
